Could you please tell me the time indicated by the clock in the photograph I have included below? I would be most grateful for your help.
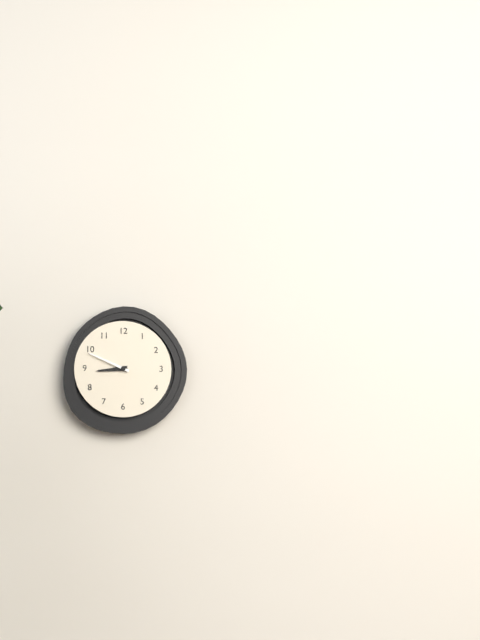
8:49
